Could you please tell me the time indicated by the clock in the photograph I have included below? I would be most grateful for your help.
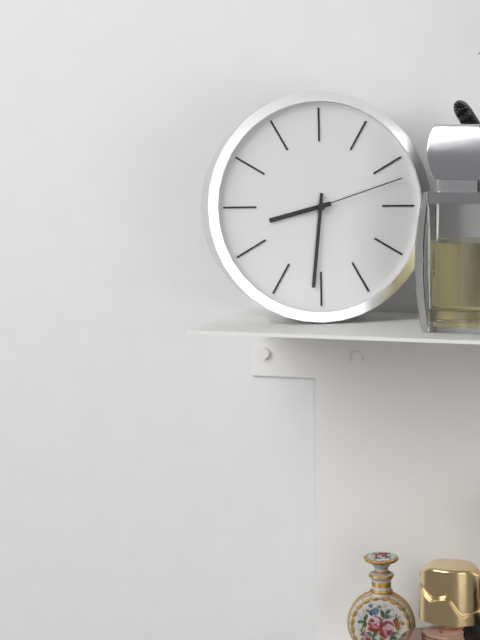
8:31:12
